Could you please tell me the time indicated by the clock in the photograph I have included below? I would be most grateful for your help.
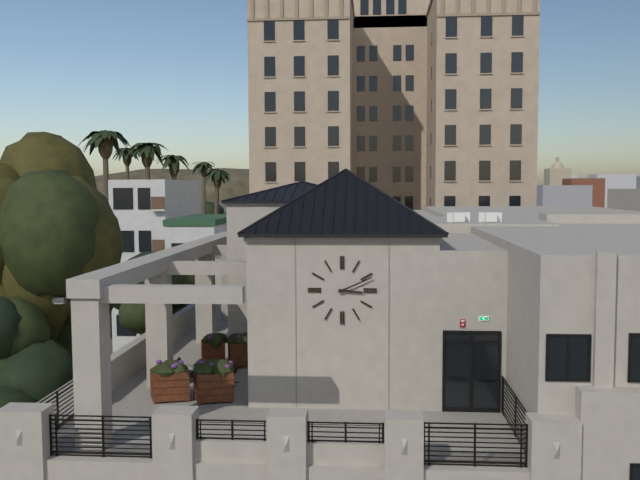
3:11
